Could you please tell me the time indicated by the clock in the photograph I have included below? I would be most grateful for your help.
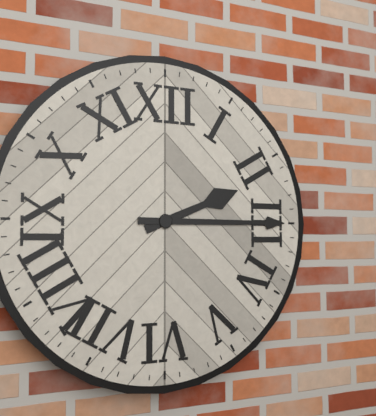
2:15
